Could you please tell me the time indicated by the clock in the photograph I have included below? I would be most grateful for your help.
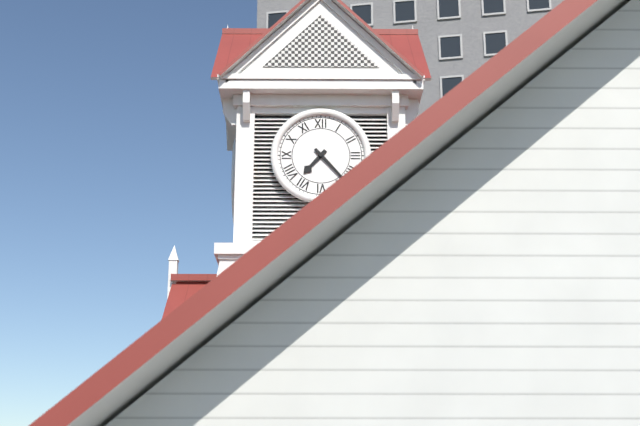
7:23
